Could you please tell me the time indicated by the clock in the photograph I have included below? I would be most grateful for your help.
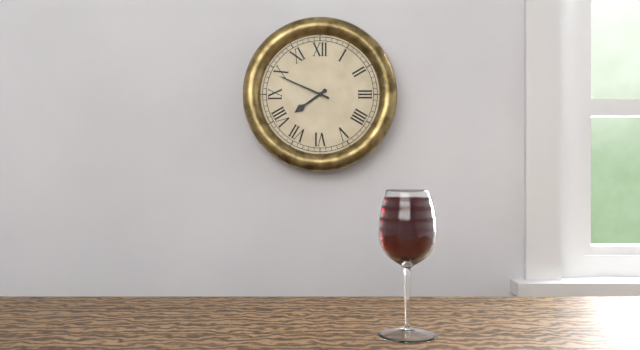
7:49
